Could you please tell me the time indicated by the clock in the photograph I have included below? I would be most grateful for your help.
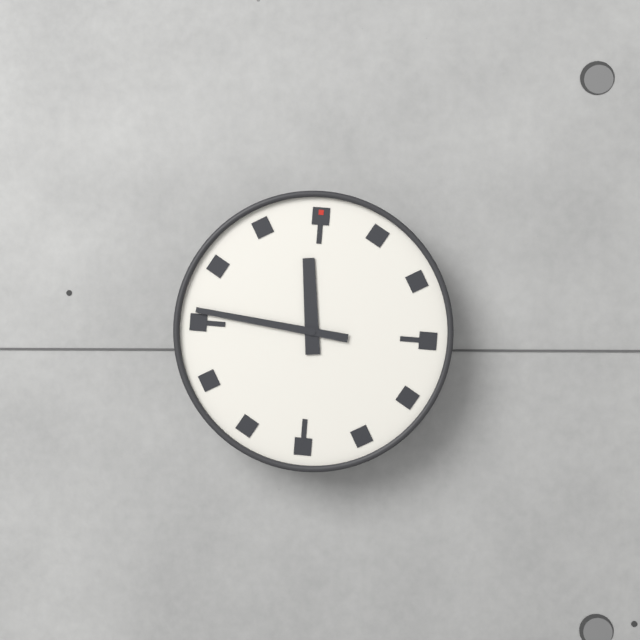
11:46
